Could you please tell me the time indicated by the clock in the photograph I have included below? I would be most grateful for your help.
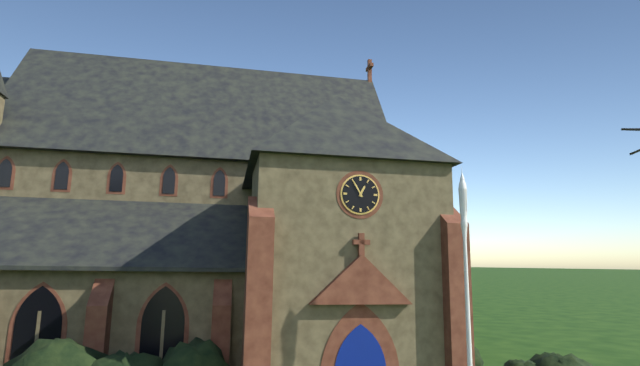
12:55
